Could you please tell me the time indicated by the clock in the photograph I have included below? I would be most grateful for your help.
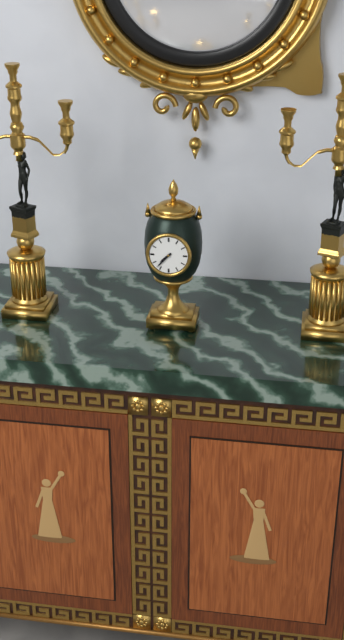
7:37
